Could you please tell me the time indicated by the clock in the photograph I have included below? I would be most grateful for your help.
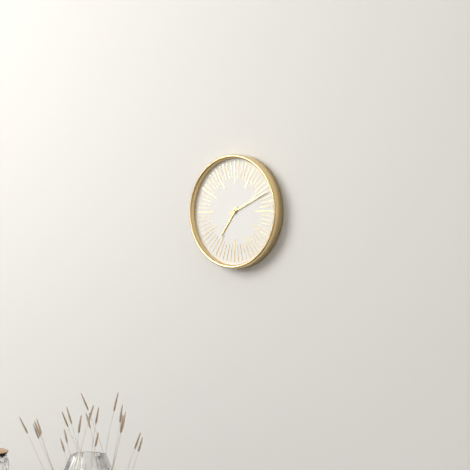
7:11
